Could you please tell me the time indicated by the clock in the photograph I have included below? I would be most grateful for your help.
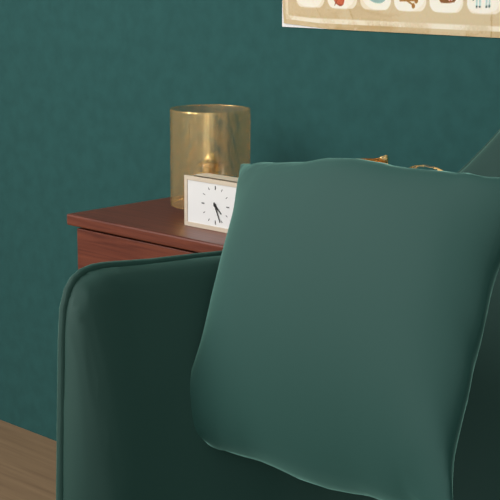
4:26
